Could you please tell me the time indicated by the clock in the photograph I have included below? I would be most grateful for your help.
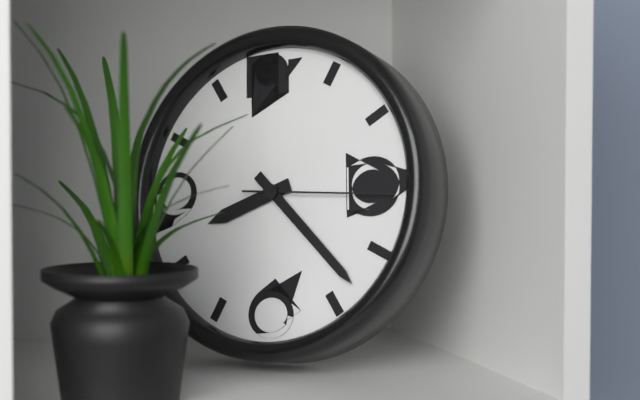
8:23:16
